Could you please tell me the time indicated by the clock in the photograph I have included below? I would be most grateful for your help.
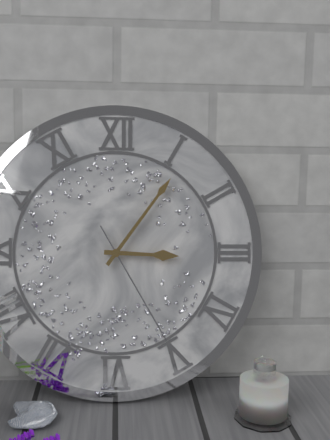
3:06:25
